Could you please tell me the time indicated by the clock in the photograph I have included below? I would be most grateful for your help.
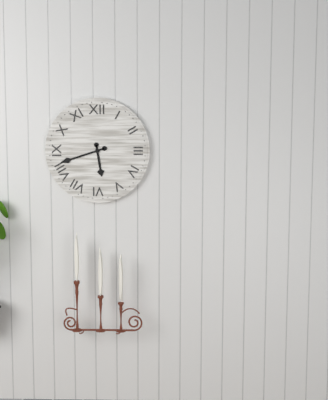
5:42
